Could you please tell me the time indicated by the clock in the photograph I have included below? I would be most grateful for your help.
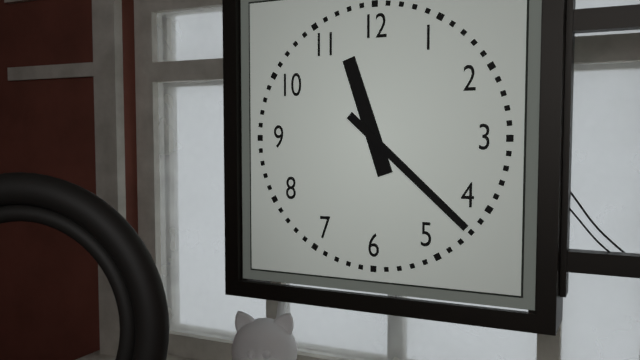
11:22
